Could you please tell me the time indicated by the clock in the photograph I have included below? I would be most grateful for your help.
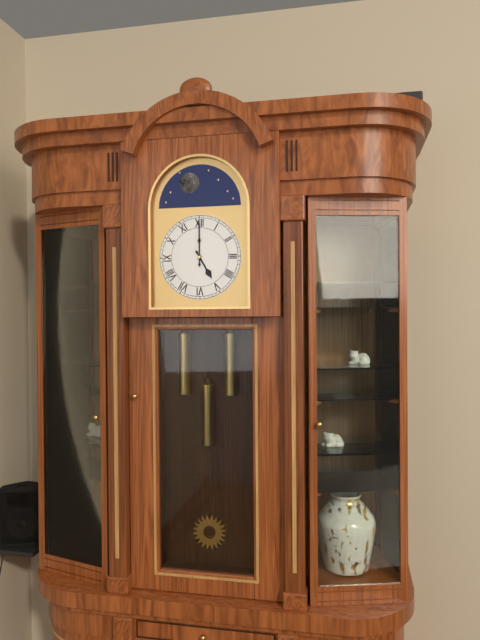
5:00
